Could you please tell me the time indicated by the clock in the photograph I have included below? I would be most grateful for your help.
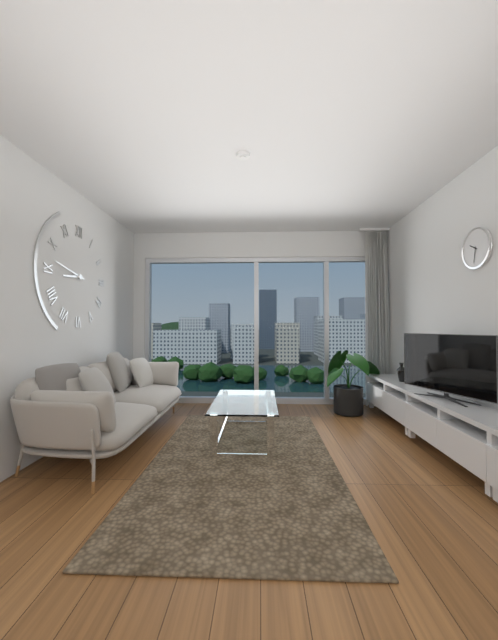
8:47
